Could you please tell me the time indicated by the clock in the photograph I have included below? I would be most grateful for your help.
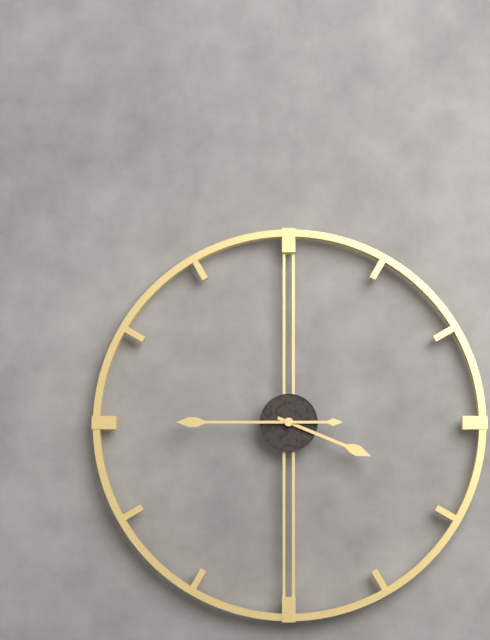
3:45
